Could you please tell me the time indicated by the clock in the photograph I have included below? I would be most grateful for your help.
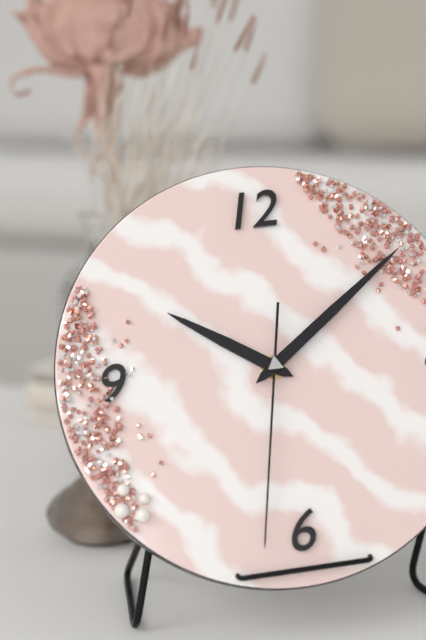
10:09:32
